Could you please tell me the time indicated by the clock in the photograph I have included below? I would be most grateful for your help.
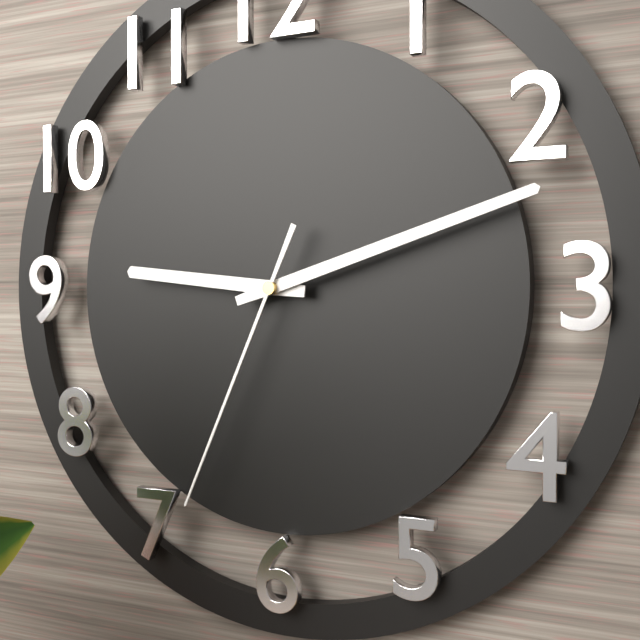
9:12:34
